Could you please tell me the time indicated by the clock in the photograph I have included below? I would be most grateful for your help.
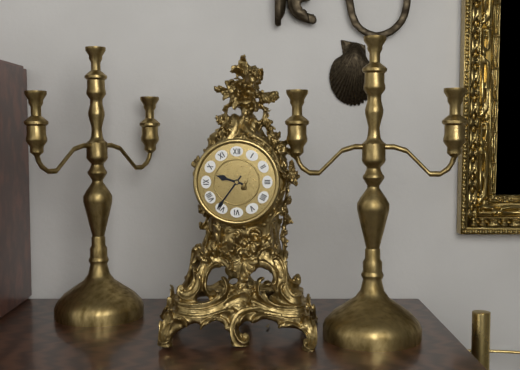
9:36
